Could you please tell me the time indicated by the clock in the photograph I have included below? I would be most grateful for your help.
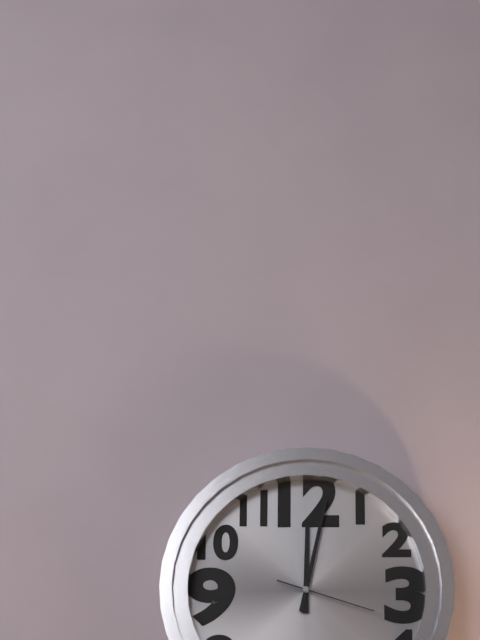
12:02:18
